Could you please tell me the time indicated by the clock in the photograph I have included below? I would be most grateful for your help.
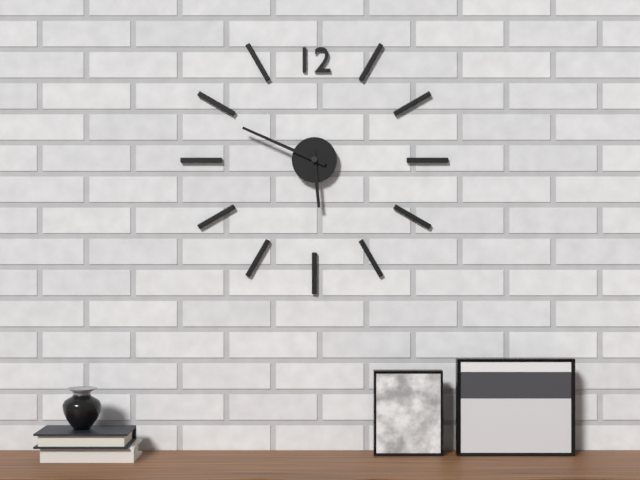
5:49
